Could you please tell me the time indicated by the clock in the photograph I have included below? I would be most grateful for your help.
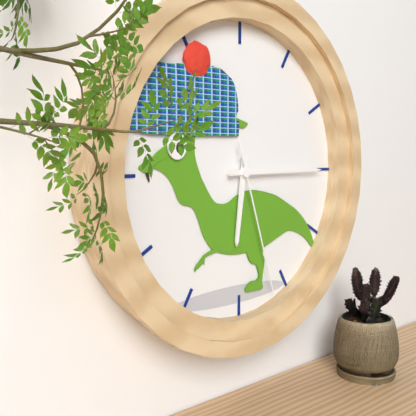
6:15:27
